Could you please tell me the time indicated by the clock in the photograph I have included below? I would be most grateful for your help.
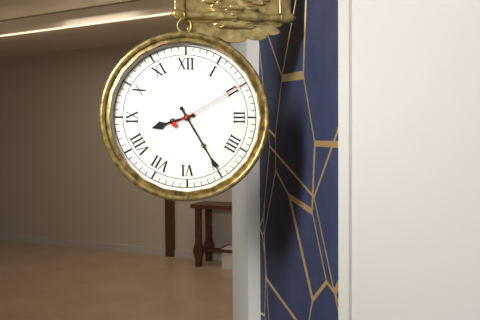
8:25:10
